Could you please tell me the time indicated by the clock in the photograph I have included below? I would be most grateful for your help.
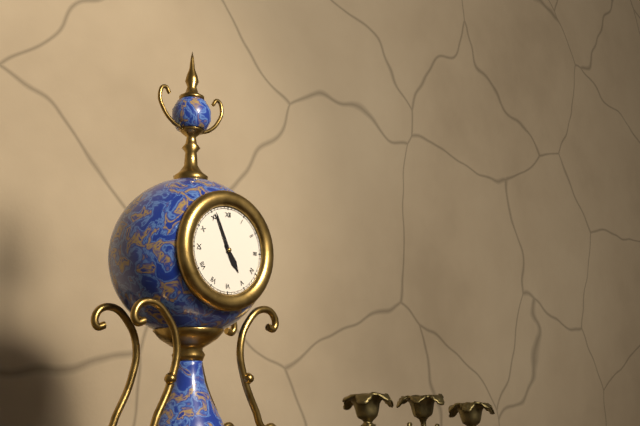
4:56
